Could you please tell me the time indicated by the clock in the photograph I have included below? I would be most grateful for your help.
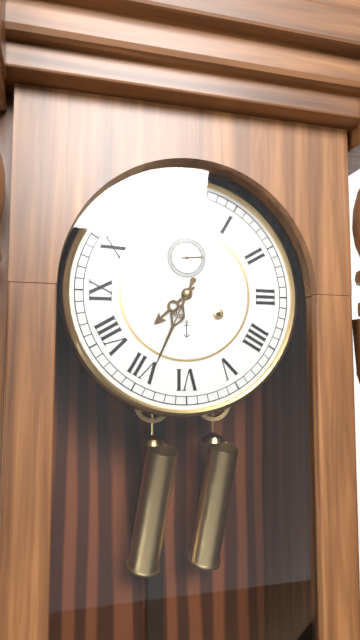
7:34
